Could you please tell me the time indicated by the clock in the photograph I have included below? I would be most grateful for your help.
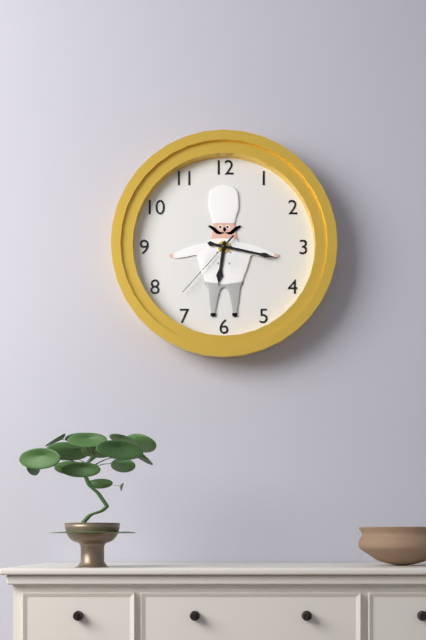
6:17:37
